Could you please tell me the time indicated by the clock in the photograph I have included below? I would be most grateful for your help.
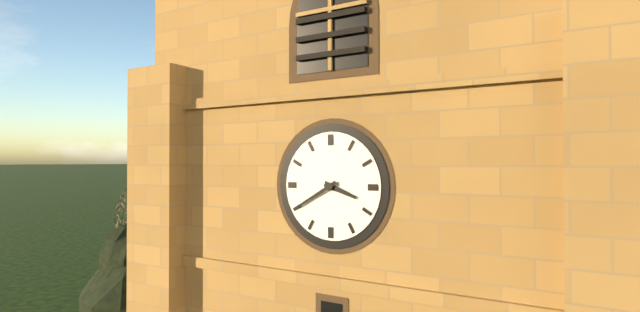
3:40
